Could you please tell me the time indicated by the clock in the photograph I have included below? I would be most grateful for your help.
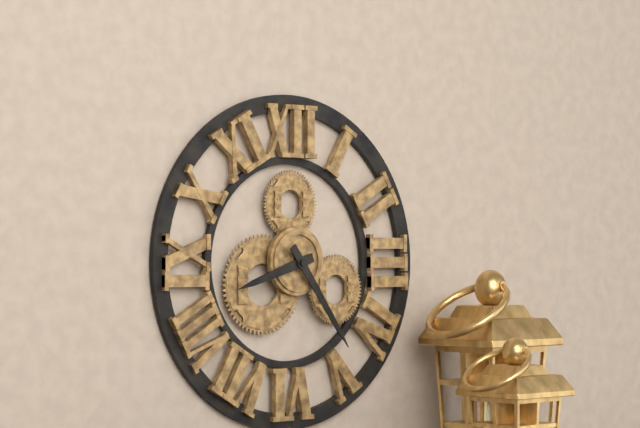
8:24
